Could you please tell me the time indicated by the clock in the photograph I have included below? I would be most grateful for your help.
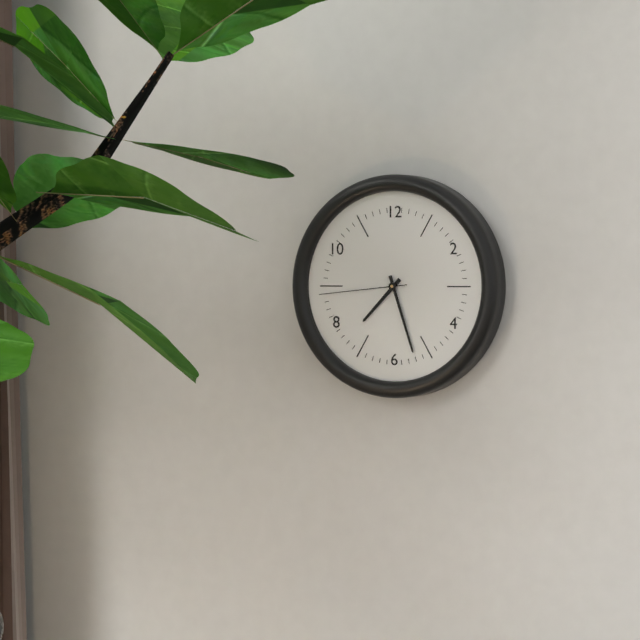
7:27:44
